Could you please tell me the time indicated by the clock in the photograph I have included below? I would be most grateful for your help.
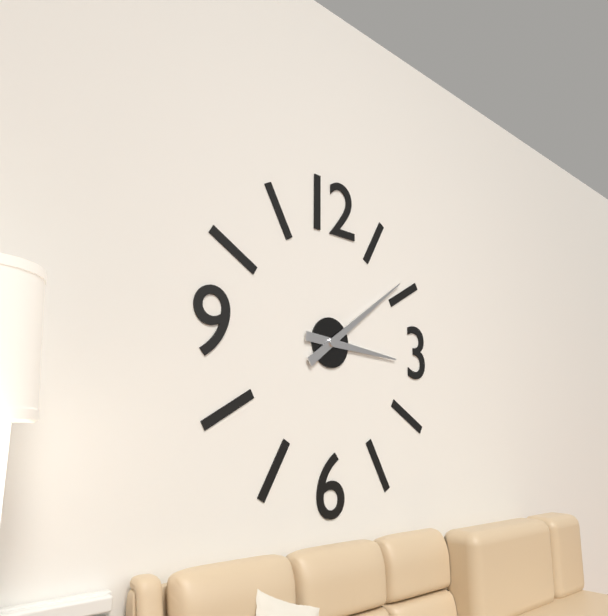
3:09
